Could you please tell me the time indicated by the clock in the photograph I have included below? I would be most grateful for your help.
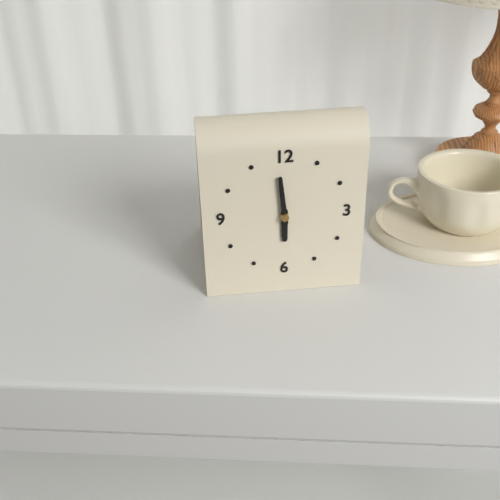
5:59
